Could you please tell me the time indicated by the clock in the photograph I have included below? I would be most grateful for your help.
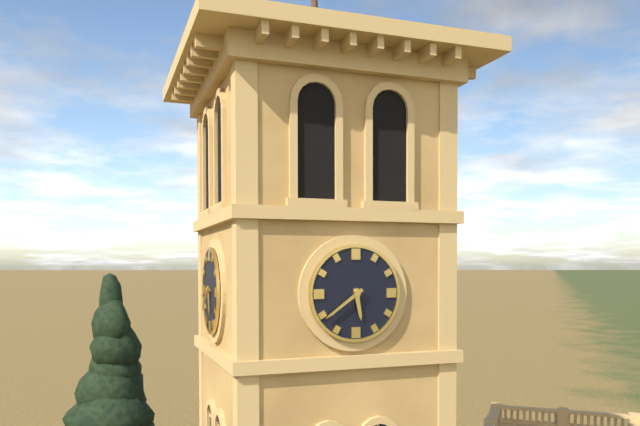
5:39
